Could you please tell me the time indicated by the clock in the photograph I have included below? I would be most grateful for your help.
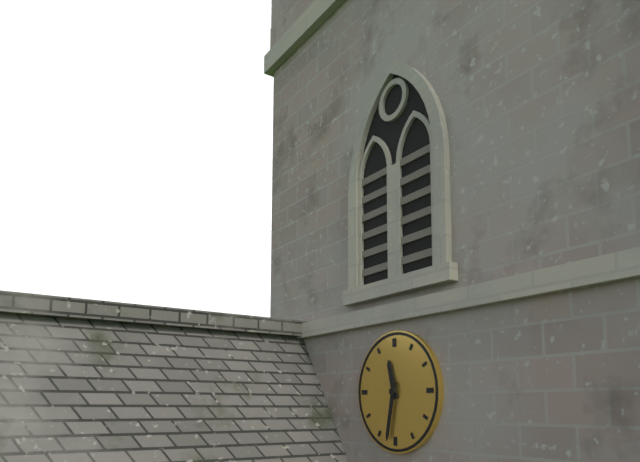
11:32
